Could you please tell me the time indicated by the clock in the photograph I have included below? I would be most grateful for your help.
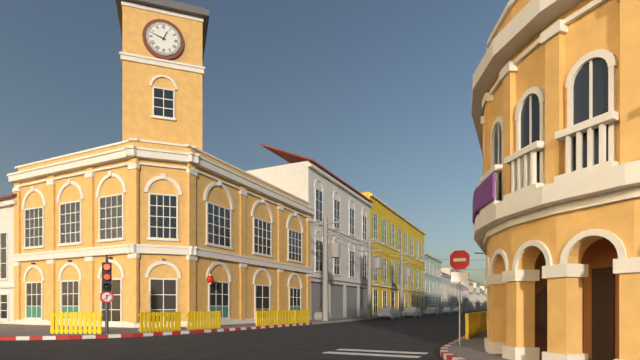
12:48
